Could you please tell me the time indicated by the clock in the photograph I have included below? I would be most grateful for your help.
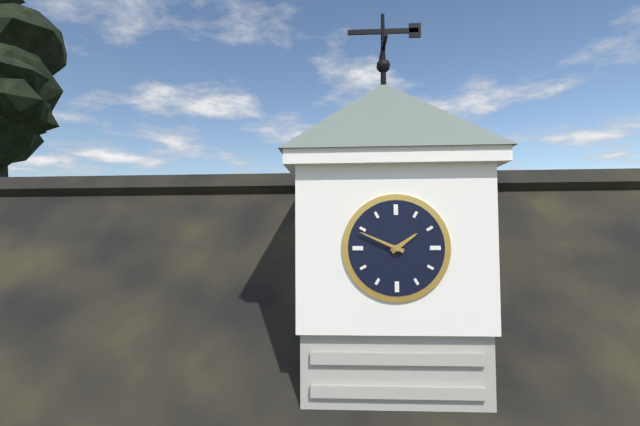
1:49
